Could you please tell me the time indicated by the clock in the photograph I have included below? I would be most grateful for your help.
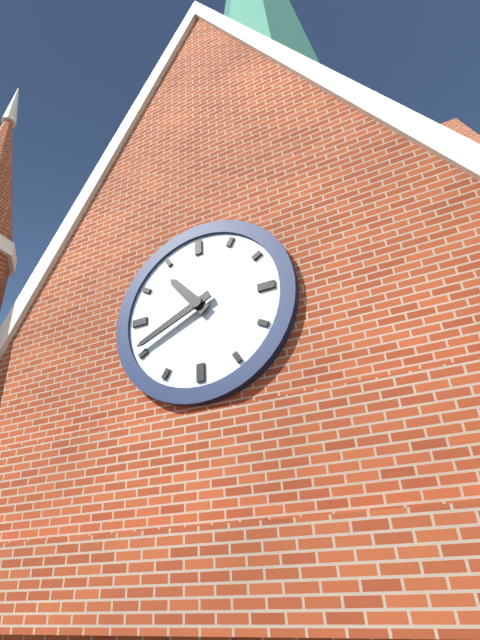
10:41
